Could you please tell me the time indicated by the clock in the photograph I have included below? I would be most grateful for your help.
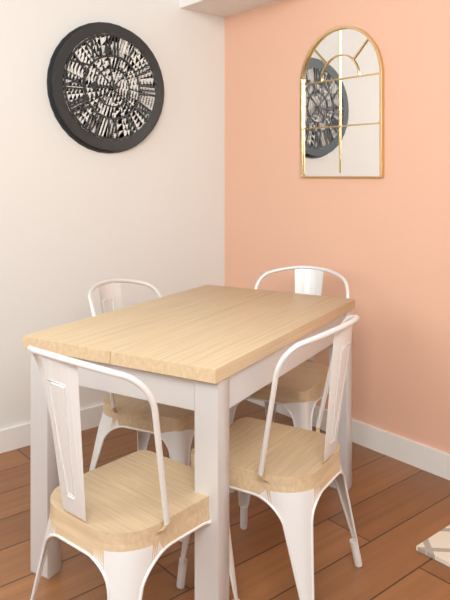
8:58
